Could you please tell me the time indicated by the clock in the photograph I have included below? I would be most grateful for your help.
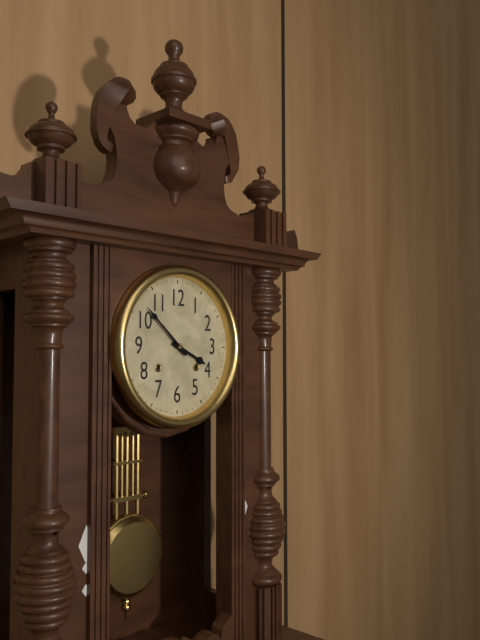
3:52
